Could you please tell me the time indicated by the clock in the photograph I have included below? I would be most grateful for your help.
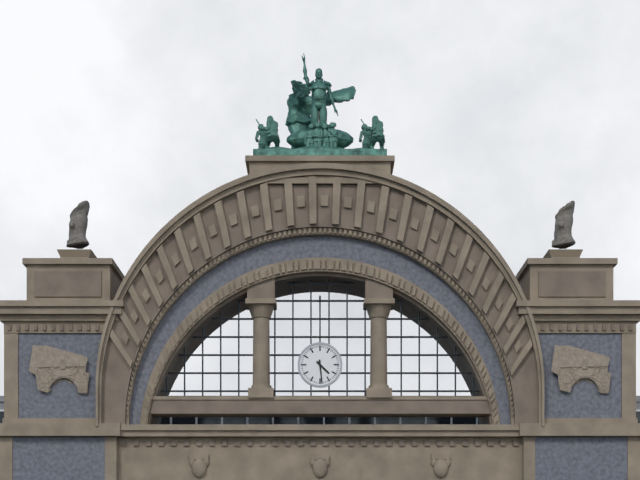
4:29
